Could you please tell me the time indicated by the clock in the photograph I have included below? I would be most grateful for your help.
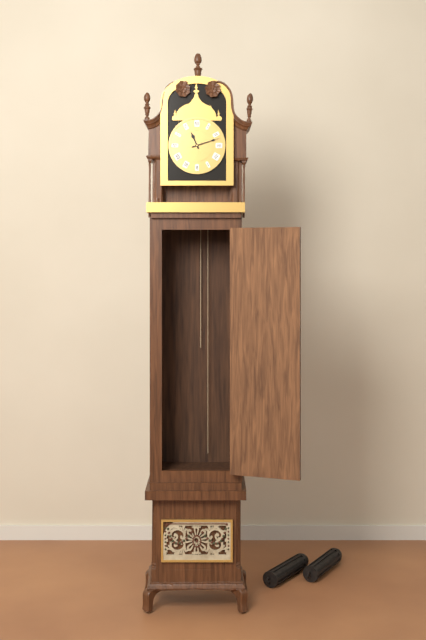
11:12
